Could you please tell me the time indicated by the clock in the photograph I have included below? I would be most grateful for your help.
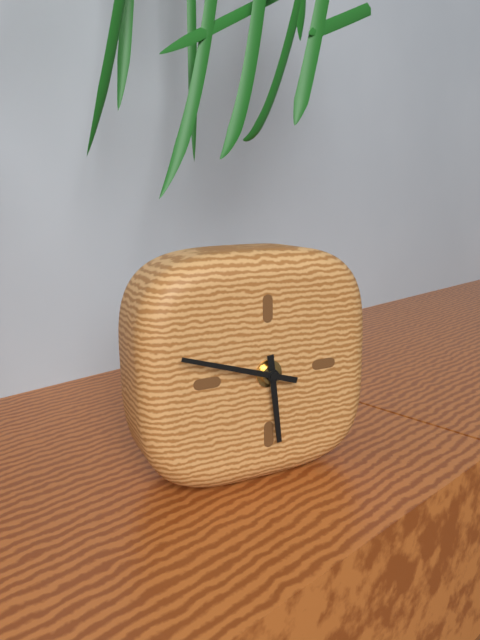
5:48
